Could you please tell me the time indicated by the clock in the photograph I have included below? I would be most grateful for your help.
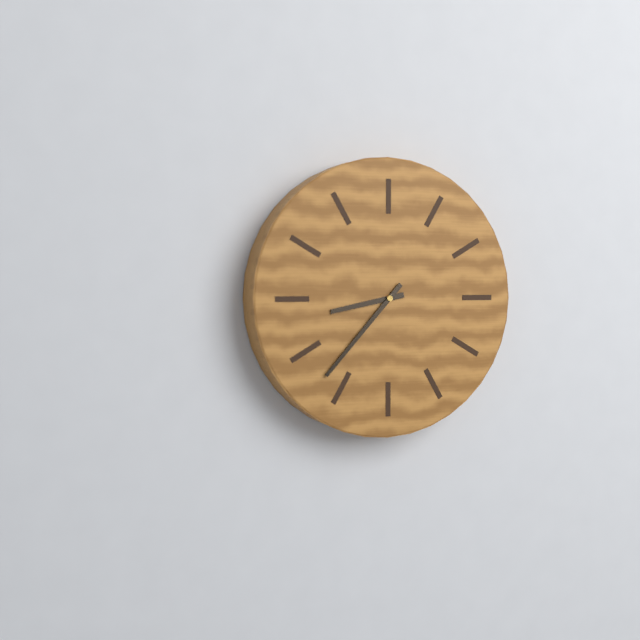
8:37
